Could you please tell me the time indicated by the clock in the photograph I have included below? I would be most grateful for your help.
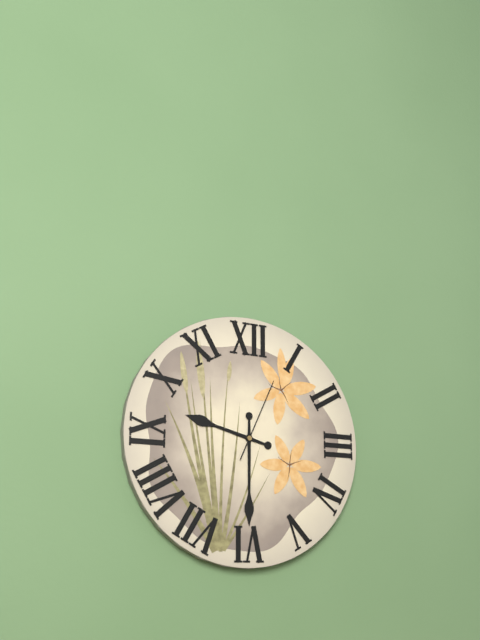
9:30:04
